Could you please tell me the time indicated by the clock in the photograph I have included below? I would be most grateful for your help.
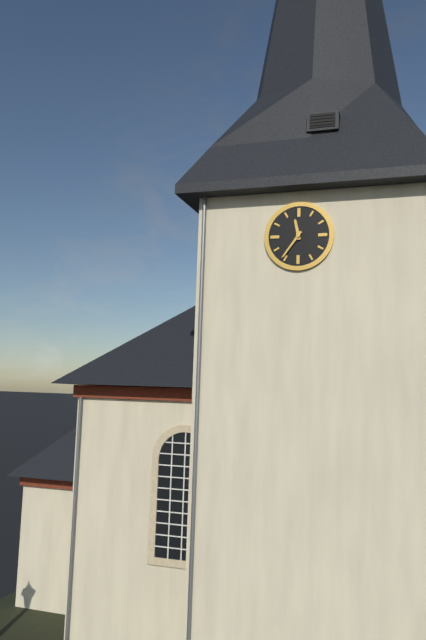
11:36
